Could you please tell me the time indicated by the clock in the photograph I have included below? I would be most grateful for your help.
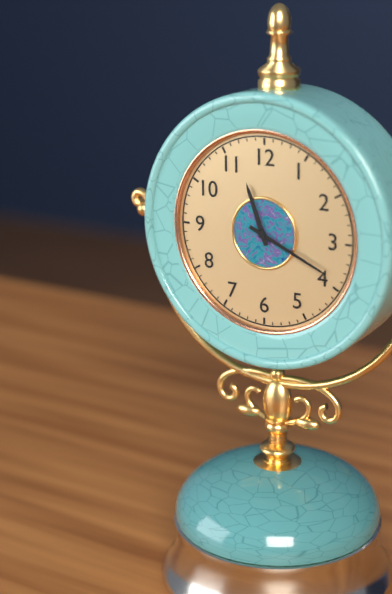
11:19
